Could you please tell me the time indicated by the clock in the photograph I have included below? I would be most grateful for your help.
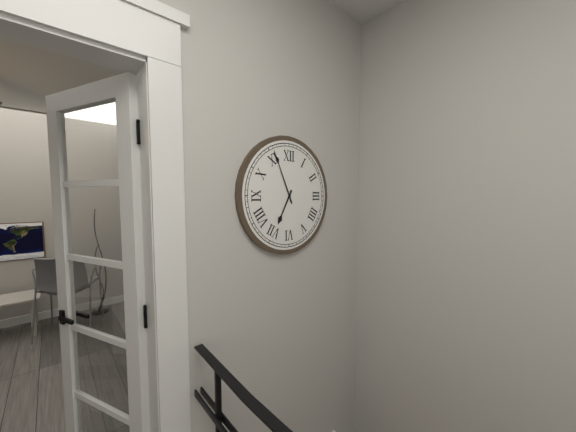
6:56
